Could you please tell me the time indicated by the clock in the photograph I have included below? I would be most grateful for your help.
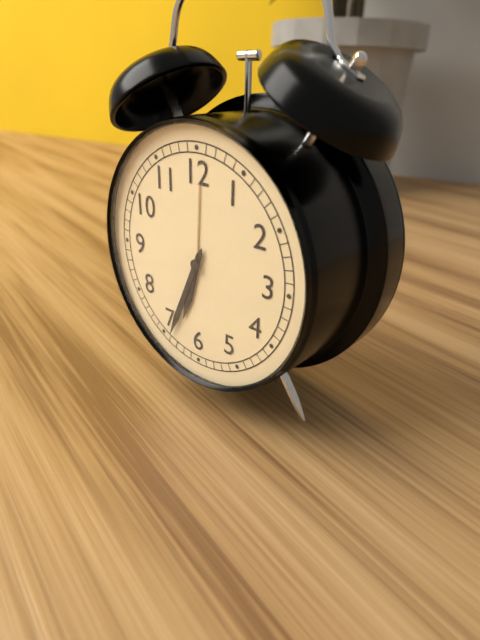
6:34
